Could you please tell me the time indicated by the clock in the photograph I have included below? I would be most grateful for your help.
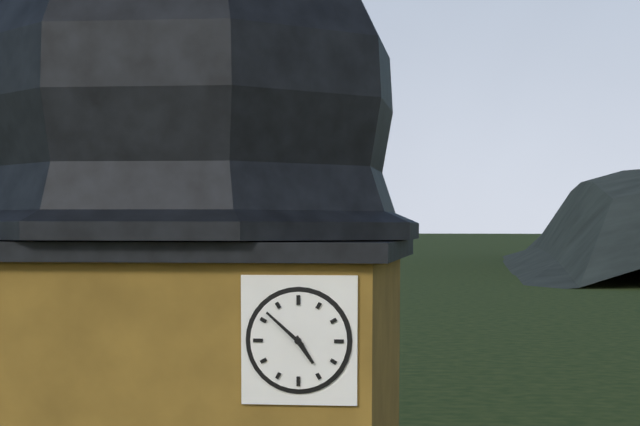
4:52
